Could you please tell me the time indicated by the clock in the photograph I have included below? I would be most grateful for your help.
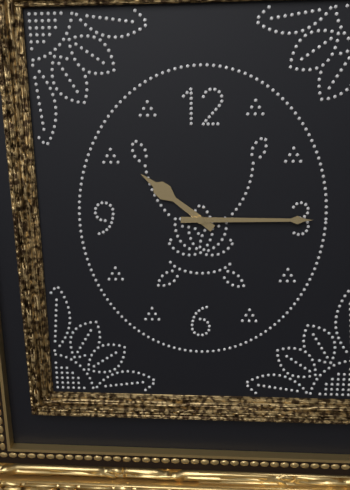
10:15
